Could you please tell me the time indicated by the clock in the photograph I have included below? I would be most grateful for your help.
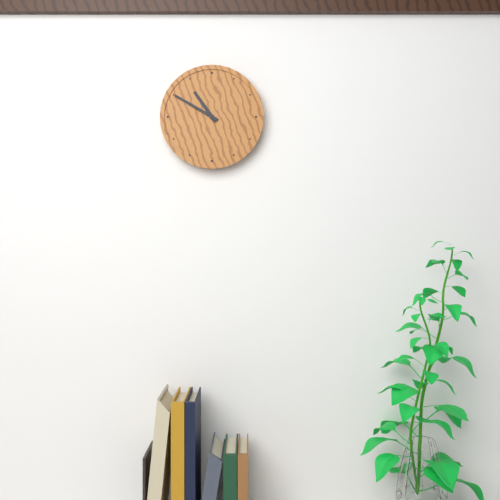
10:50
